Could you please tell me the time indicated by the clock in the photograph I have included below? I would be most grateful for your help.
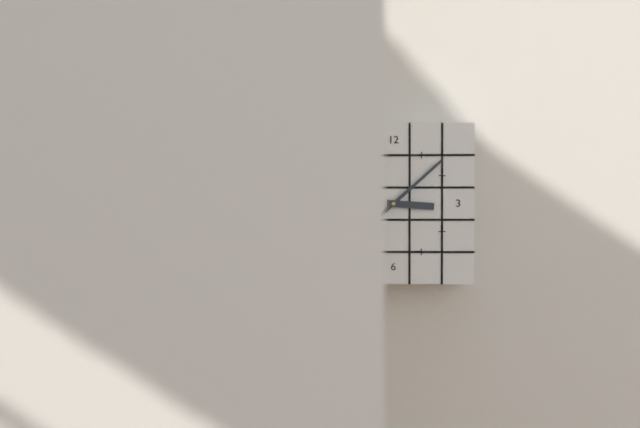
3:08
